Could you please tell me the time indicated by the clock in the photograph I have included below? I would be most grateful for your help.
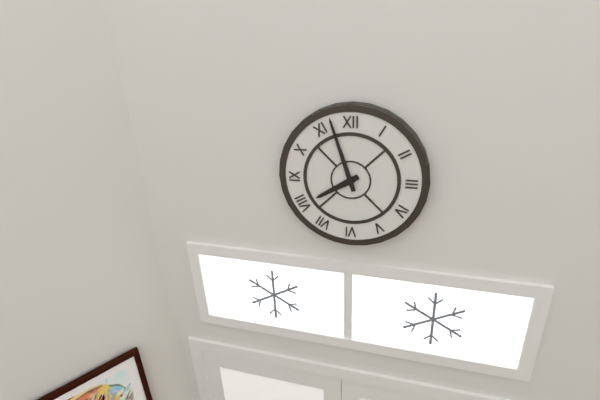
7:57
